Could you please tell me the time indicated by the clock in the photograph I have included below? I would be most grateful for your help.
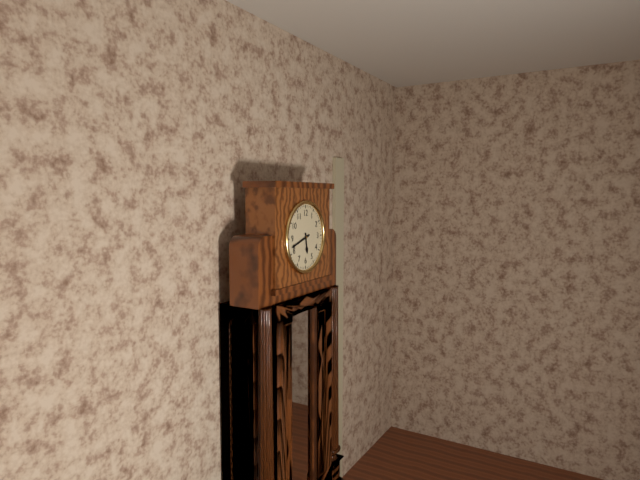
5:42
